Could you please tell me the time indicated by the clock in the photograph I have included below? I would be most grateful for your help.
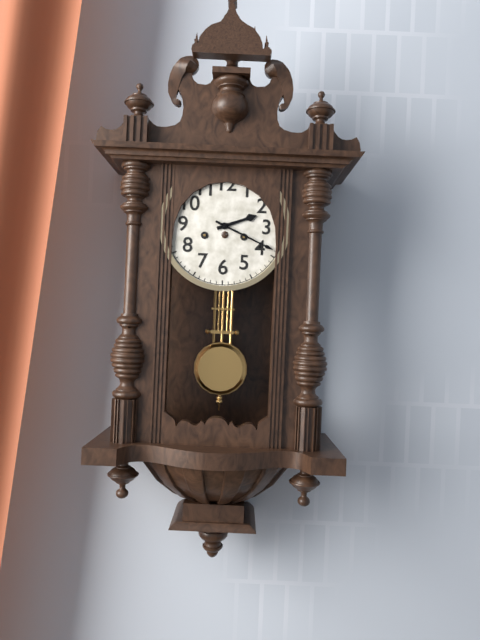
2:19
